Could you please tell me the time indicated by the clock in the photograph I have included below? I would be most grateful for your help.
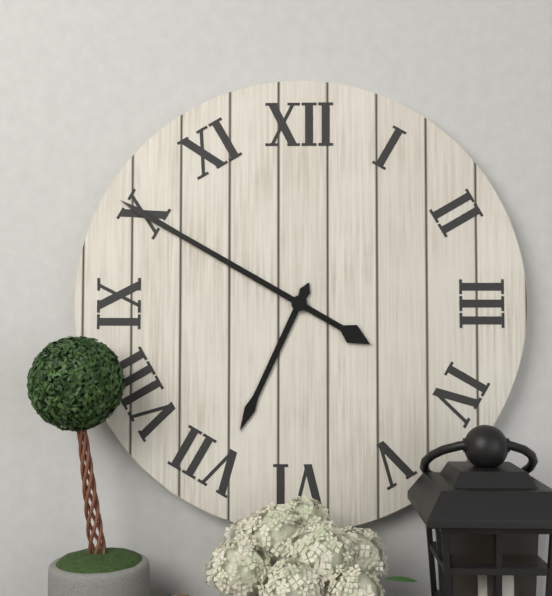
6:50
